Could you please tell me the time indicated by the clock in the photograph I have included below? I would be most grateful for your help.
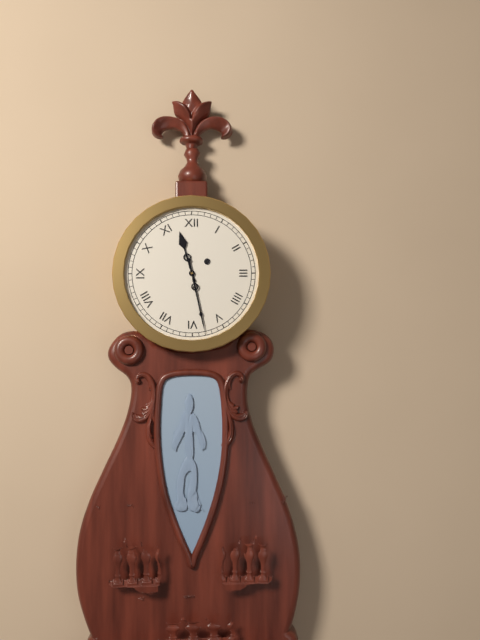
11:28
